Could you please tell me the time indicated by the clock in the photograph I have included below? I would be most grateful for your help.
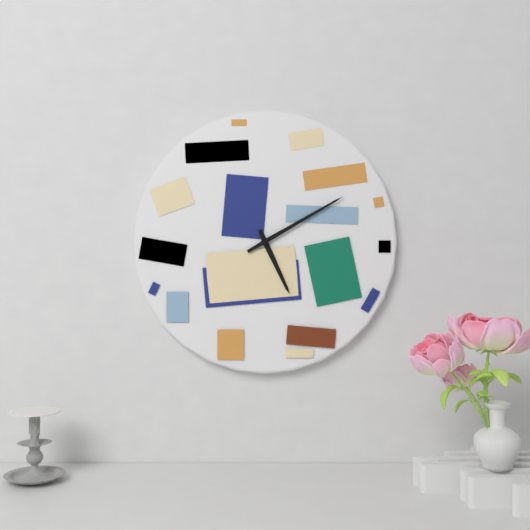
5:10
